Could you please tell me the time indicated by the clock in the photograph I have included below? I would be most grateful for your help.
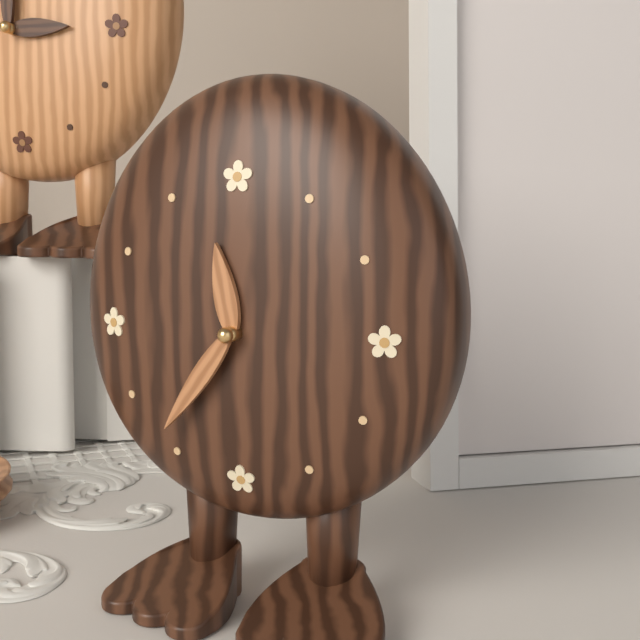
11:36
